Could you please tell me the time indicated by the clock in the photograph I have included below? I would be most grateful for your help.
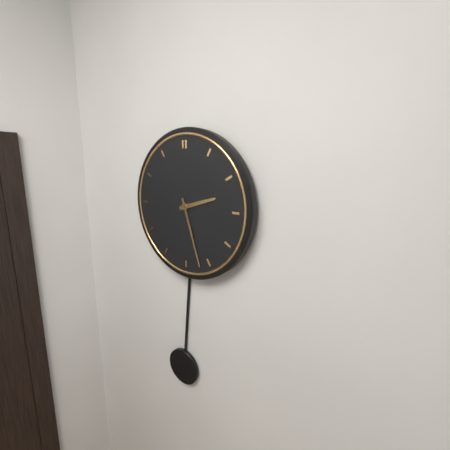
2:27
